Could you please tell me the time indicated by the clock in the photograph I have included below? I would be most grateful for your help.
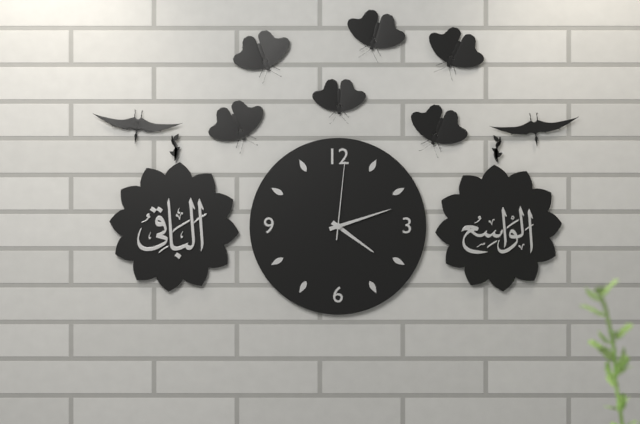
4:12:01
